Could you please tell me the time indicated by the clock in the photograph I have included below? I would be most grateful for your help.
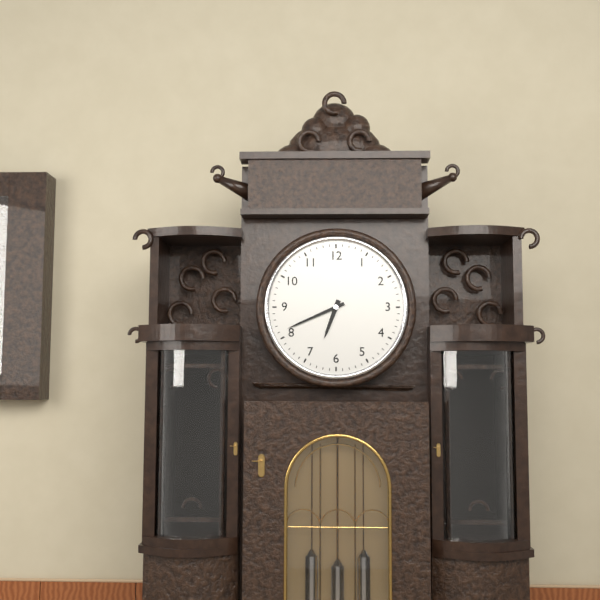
6:41
